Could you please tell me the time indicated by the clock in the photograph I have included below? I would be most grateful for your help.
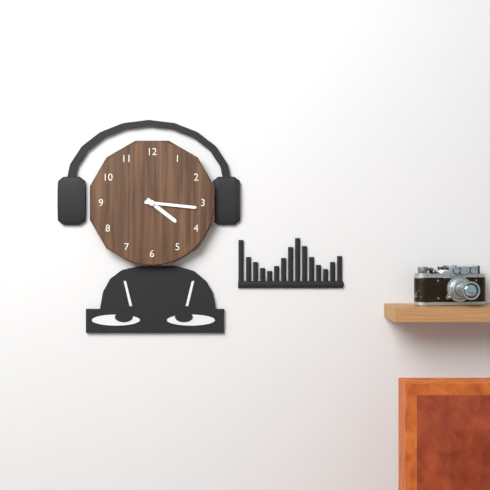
4:16
